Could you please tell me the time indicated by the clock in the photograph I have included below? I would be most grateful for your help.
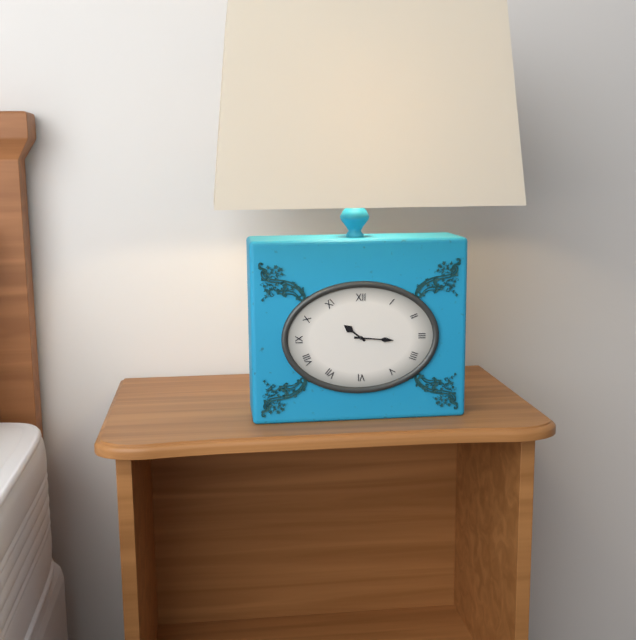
10:16
